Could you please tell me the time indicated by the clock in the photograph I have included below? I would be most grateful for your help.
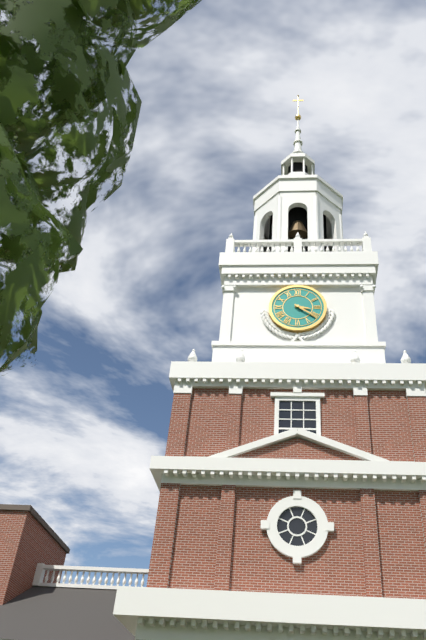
3:21
